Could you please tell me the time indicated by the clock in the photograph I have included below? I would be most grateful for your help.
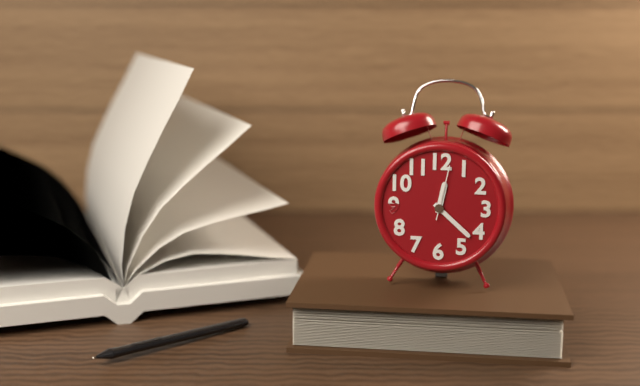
12:22:02
